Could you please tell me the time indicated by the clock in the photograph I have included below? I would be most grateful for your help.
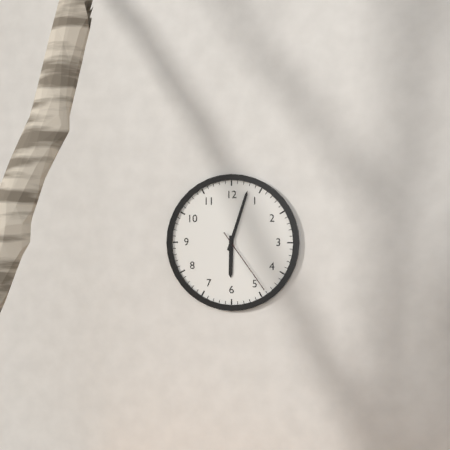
6:03:24
